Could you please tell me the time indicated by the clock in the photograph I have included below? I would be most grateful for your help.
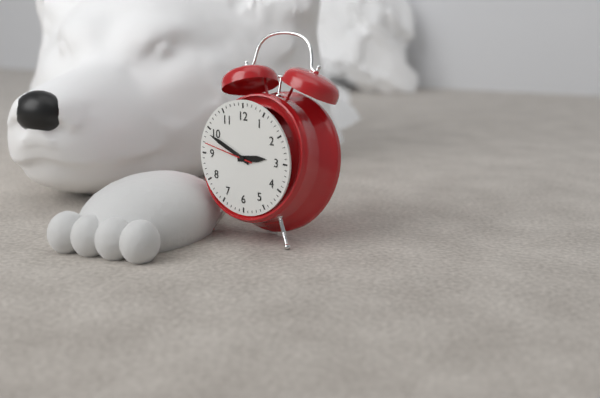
2:49:47
